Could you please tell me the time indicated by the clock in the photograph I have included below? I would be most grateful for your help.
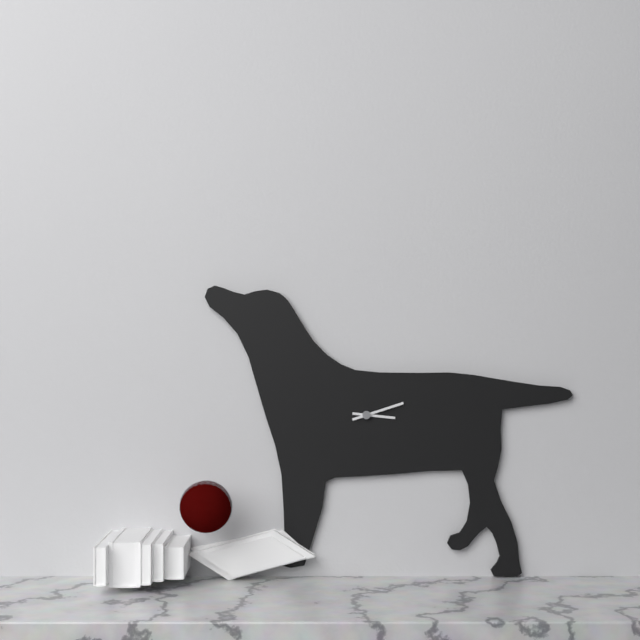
3:12
